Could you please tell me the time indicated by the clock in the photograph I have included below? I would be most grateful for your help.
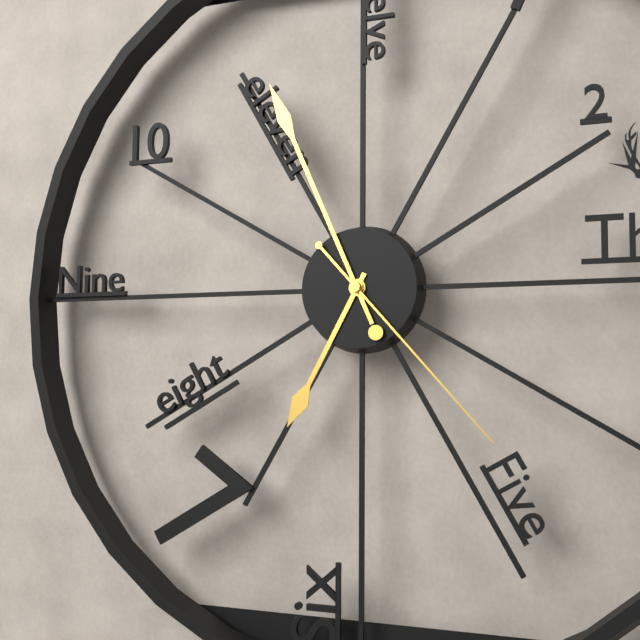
6:56:23
